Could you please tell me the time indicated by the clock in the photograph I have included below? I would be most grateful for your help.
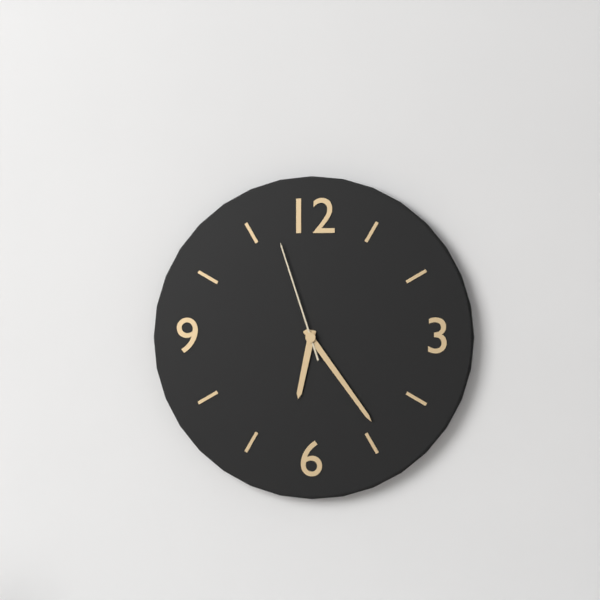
6:24:57
